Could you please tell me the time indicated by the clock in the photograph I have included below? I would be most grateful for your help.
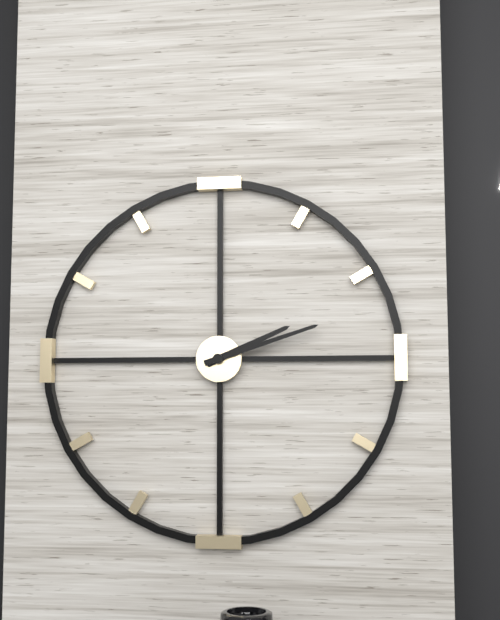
2:12
